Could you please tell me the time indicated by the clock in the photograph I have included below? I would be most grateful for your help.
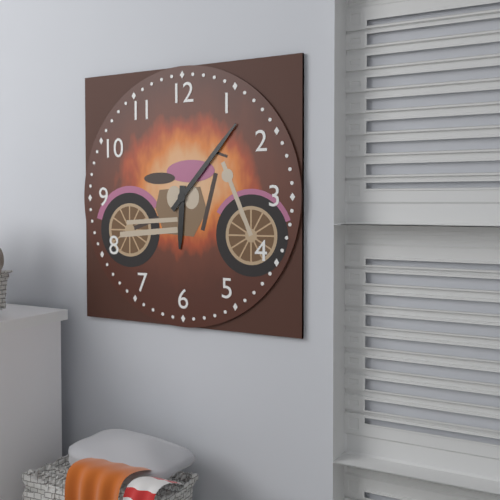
6:07
